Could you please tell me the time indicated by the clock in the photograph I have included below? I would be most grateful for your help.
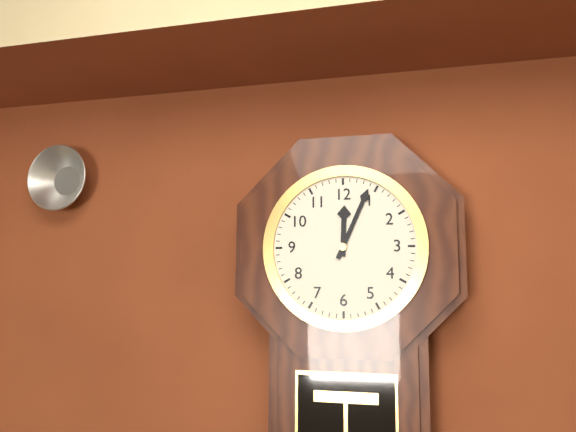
12:04
